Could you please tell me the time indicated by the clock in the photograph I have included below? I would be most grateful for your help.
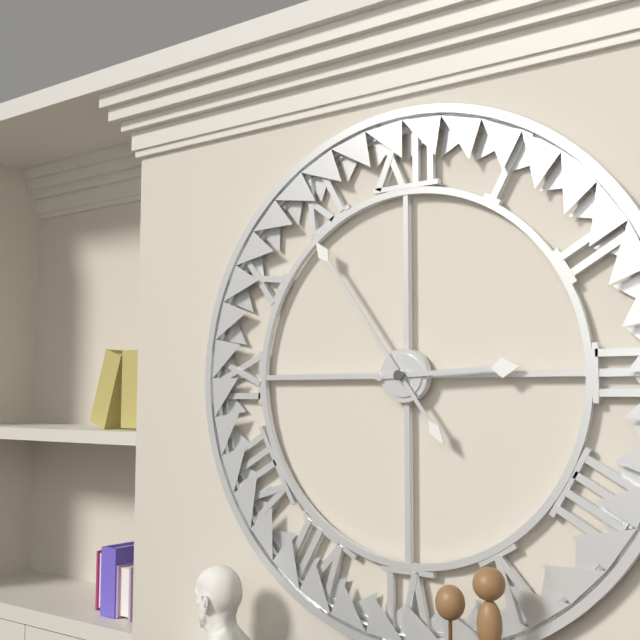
2:54
